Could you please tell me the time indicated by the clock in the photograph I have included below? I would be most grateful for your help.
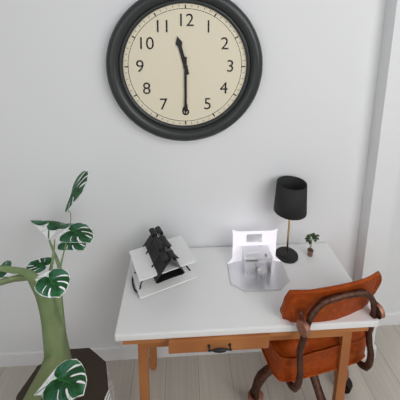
11:30
